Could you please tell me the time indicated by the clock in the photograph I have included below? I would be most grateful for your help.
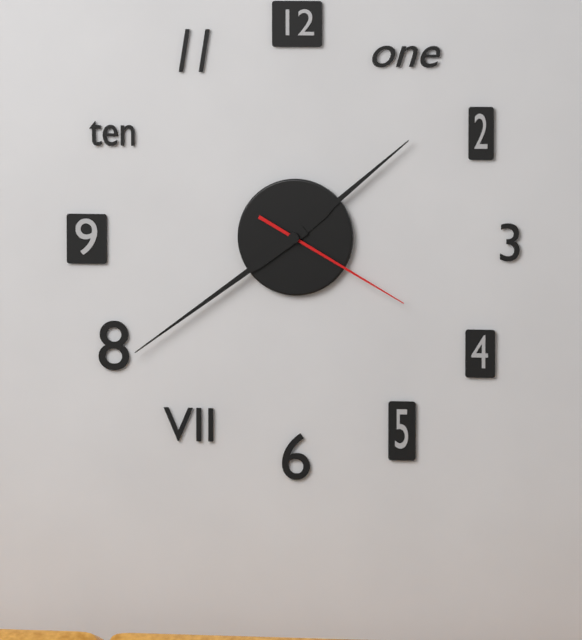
1:39:20
